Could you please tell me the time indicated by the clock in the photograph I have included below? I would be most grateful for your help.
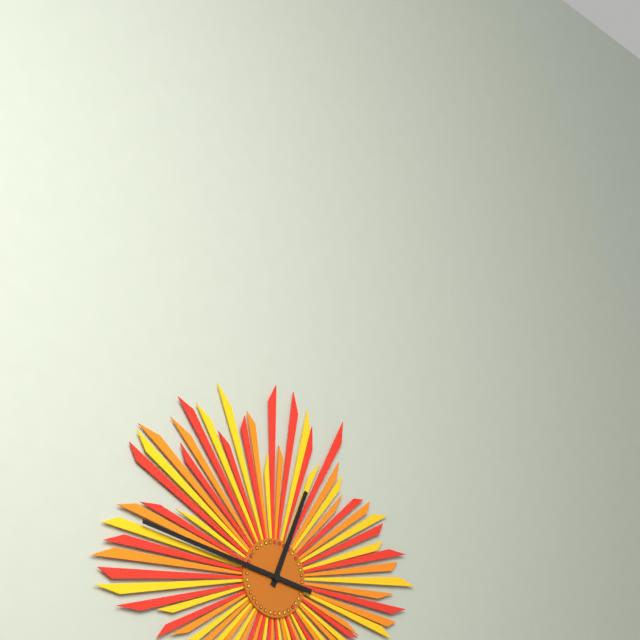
12:47
